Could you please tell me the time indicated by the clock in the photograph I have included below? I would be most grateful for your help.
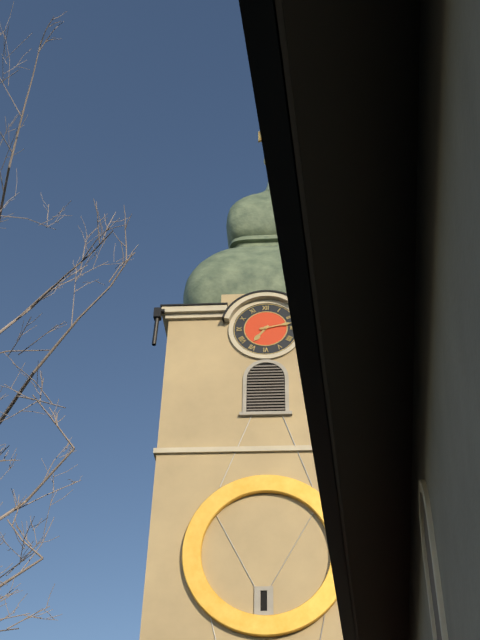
7:13
